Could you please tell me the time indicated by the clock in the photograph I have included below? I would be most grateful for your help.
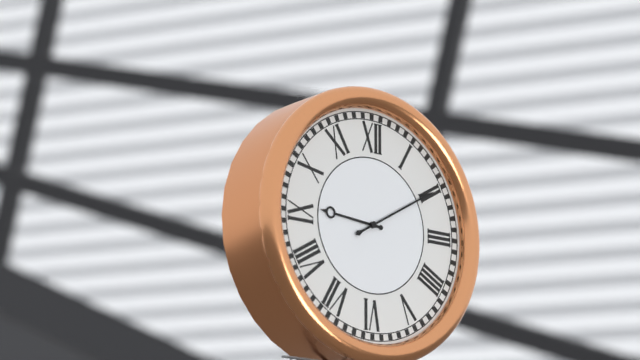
9:10
